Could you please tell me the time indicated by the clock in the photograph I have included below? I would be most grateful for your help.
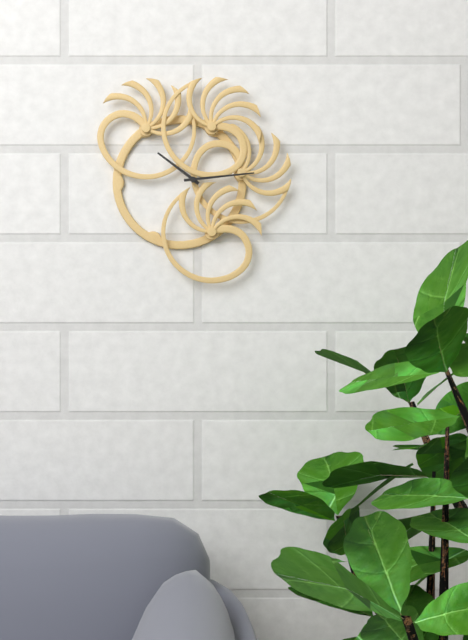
10:14
